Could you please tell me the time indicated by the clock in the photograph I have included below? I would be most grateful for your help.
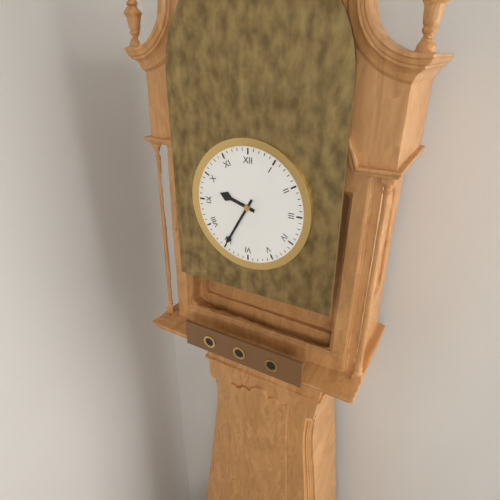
9:35
